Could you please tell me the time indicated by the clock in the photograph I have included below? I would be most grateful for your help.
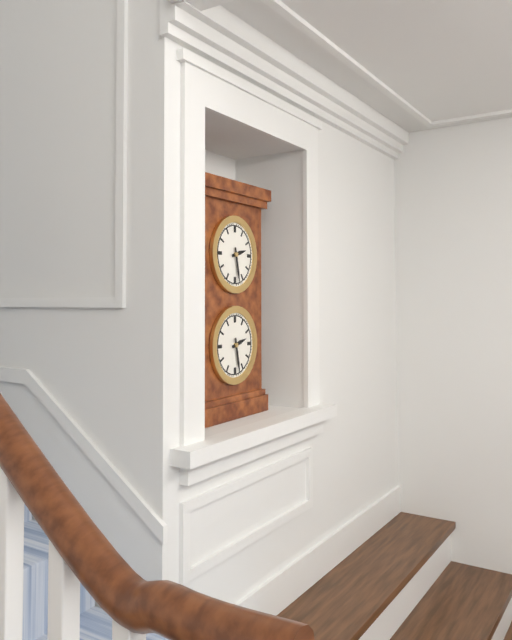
2:28
